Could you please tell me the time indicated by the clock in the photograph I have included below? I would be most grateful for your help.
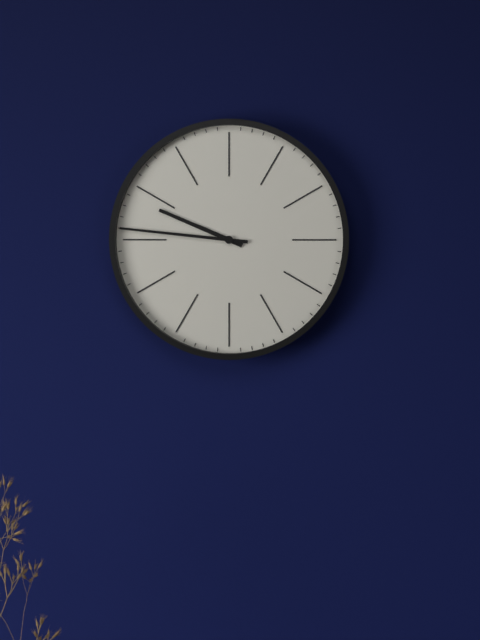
9:46
